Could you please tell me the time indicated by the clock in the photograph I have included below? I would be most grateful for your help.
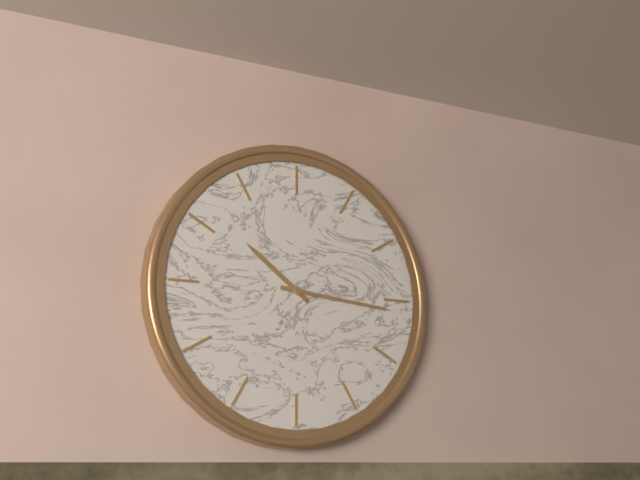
10:16
